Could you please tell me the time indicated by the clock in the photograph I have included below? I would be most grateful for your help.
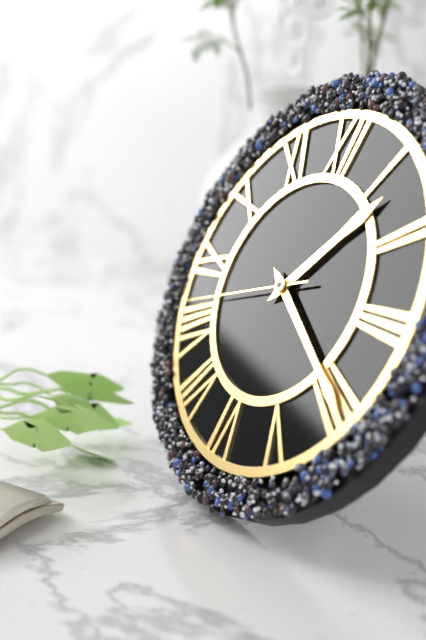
1:20:42
